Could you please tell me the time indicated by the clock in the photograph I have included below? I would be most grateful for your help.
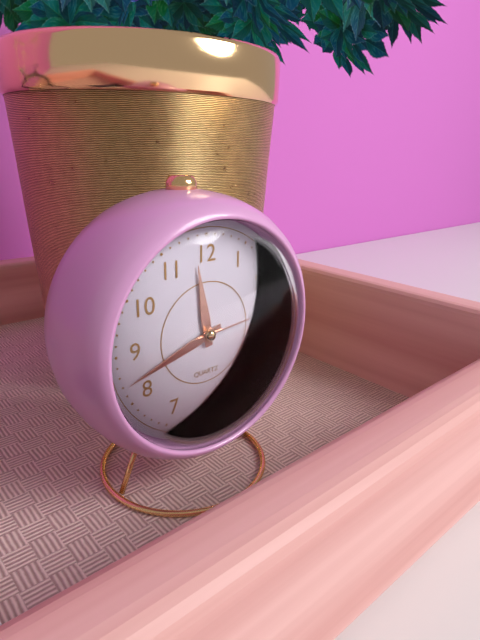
11:42:14
